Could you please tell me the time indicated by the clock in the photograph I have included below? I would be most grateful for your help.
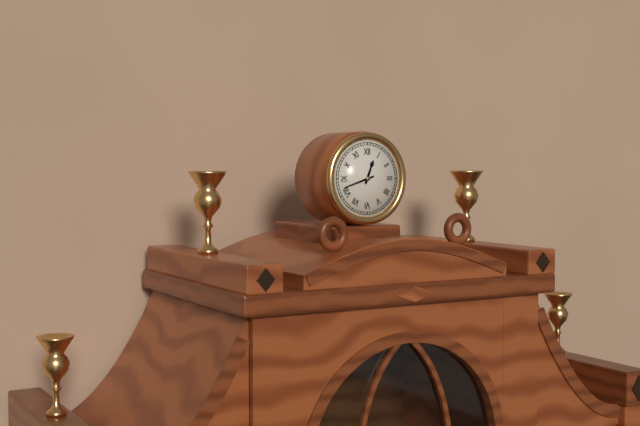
12:42
